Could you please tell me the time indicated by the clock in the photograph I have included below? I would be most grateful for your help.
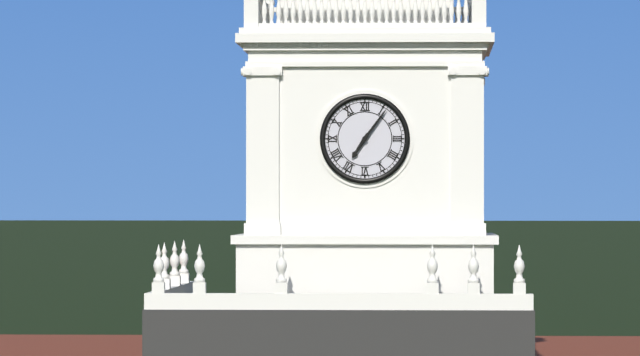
7:06
